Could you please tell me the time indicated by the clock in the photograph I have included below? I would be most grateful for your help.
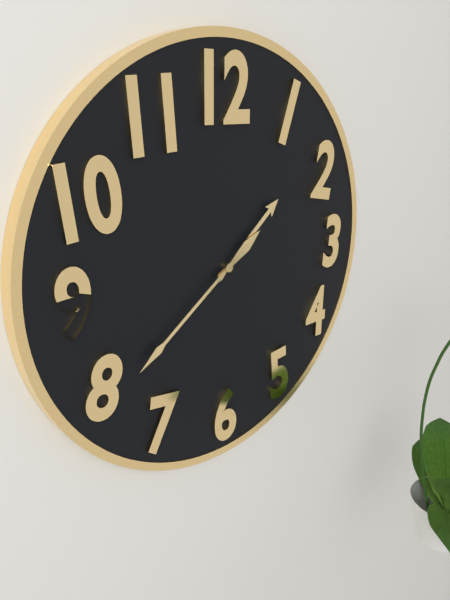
1:39
